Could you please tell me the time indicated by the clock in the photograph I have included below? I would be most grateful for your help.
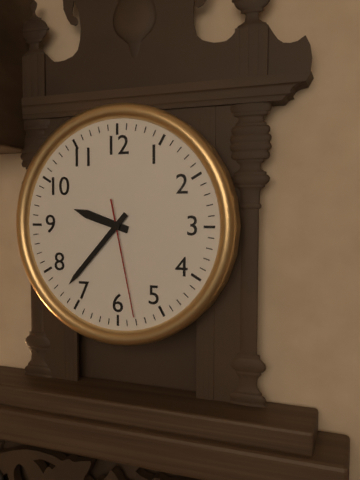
9:37:28
